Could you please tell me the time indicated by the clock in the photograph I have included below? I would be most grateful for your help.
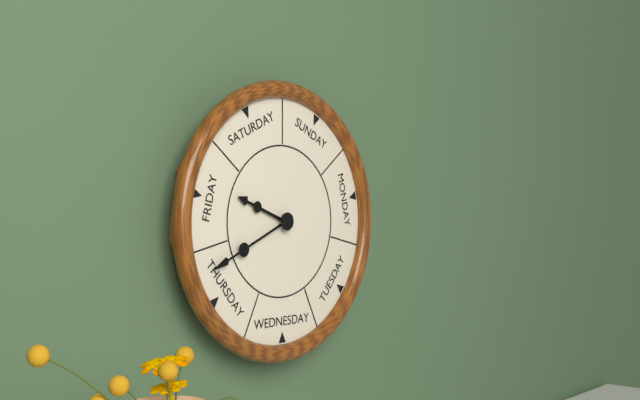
9:41
